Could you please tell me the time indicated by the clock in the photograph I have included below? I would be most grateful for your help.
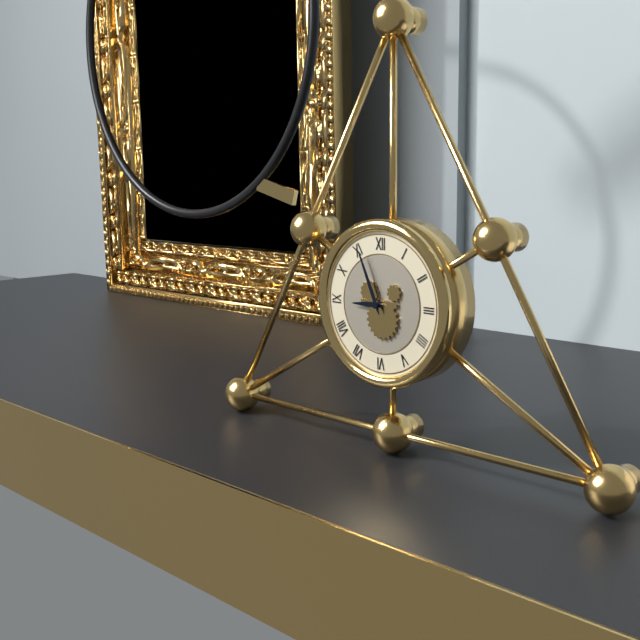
8:56
